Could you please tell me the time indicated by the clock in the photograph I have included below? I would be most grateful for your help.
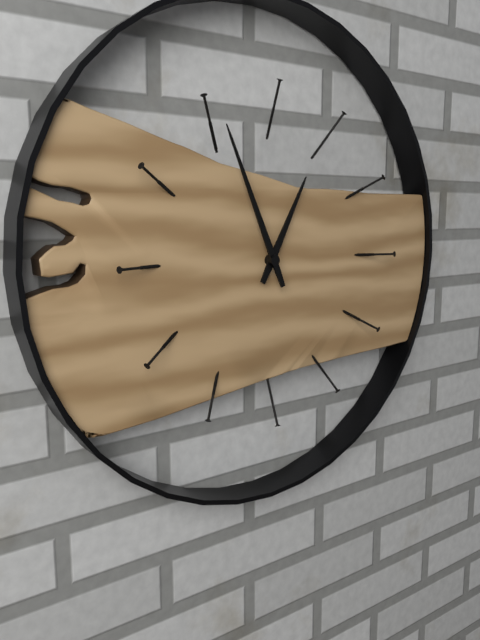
12:56
